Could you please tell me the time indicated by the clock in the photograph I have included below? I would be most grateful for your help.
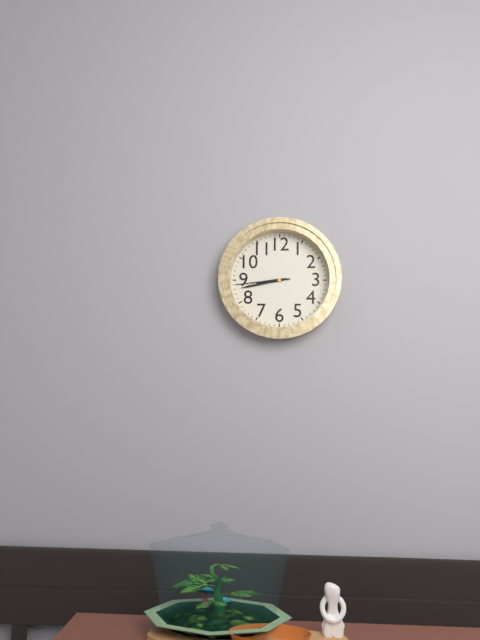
8:43:44
